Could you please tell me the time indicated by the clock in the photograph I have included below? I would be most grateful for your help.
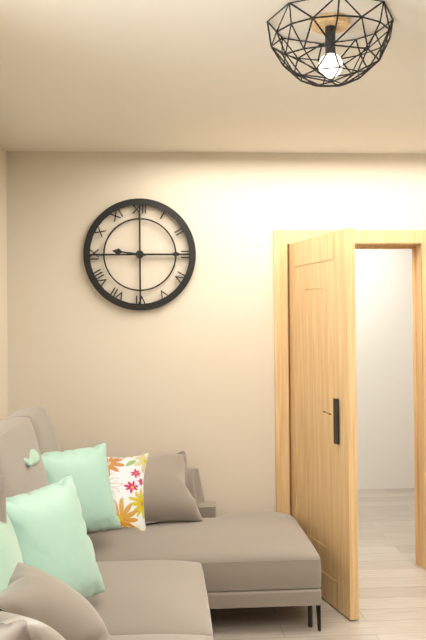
9:15
